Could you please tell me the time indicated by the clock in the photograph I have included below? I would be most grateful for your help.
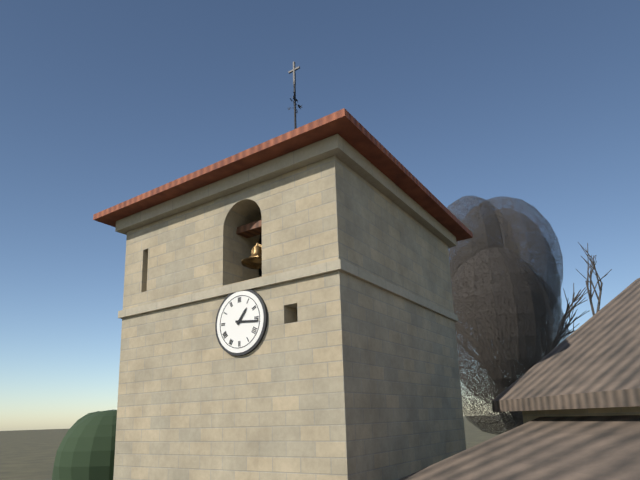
1:16
